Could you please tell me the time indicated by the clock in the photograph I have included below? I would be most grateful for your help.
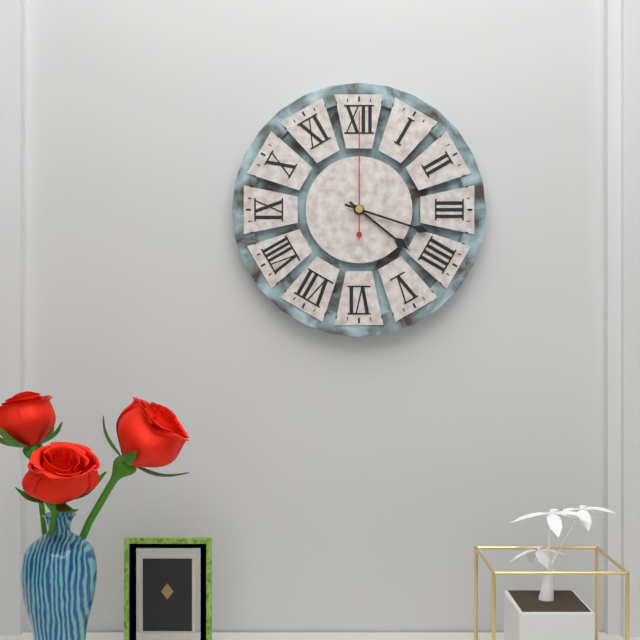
4:18:00
